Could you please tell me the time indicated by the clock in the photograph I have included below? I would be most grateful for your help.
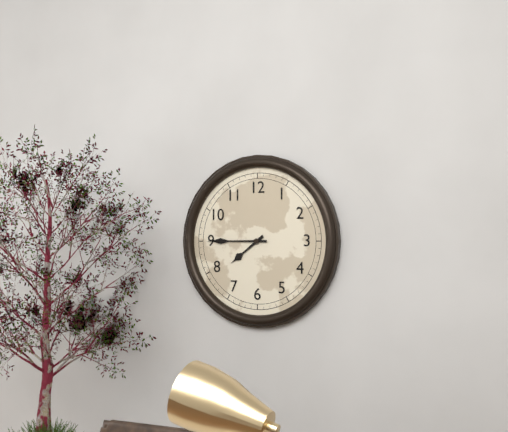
7:45
